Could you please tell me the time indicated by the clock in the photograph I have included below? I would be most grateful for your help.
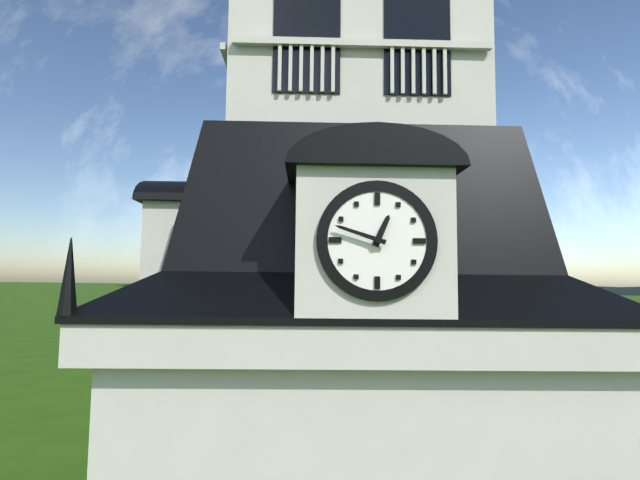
12:48
